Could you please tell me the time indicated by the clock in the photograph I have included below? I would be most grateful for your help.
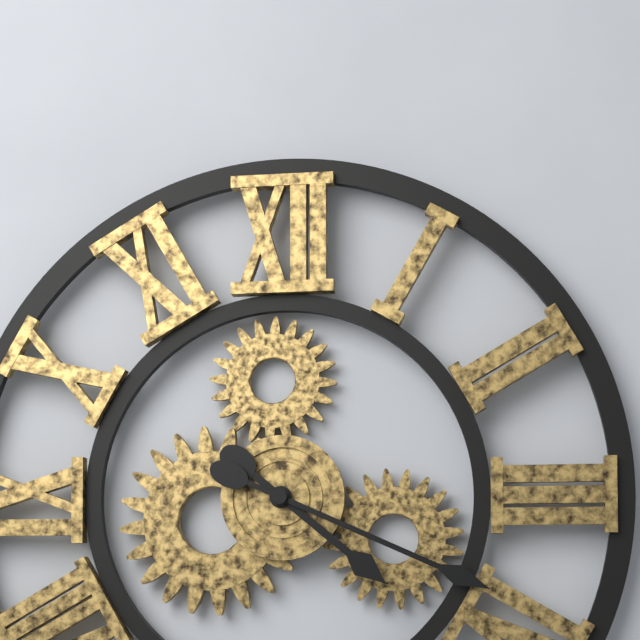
4:19
